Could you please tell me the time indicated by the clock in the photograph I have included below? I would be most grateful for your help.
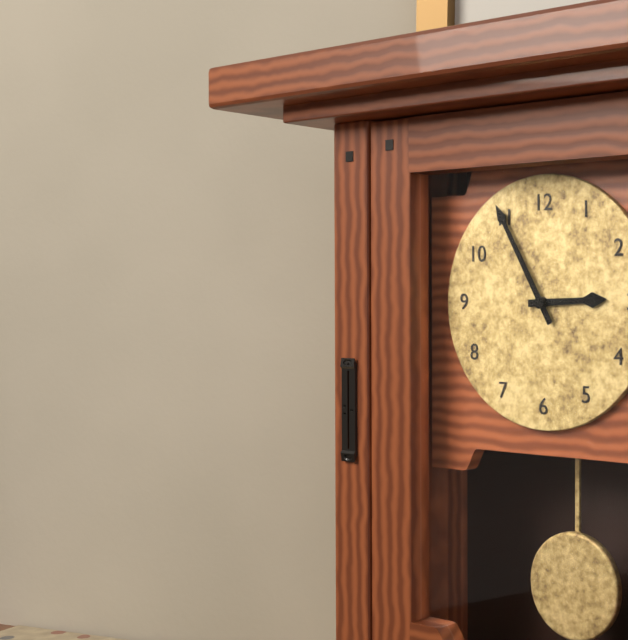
2:55
